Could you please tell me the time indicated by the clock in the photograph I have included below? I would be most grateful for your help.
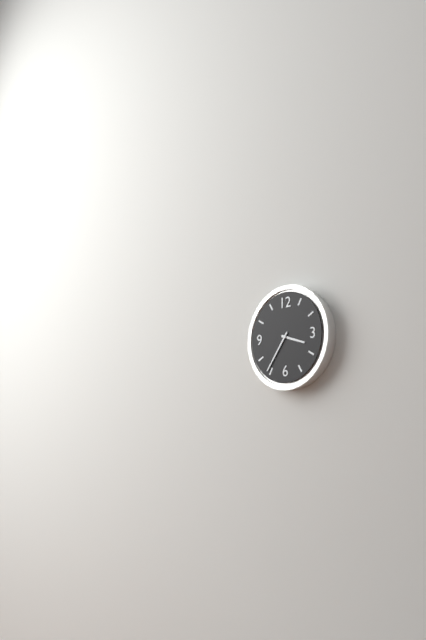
3:36
